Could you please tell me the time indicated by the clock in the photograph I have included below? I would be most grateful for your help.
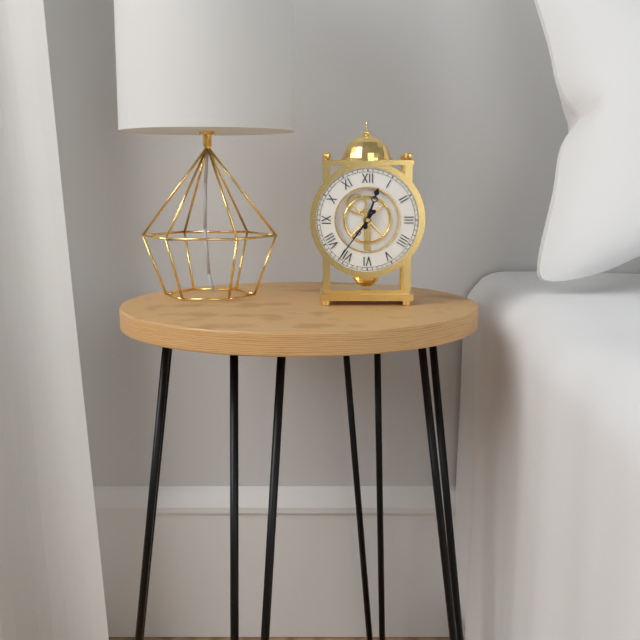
12:36
